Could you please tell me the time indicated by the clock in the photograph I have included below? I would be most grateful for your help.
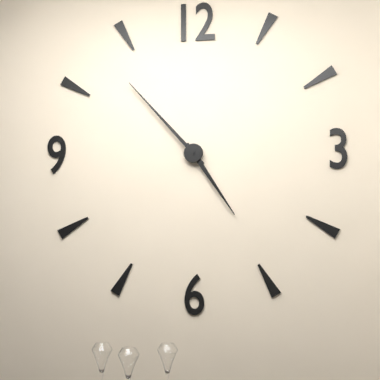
4:53
